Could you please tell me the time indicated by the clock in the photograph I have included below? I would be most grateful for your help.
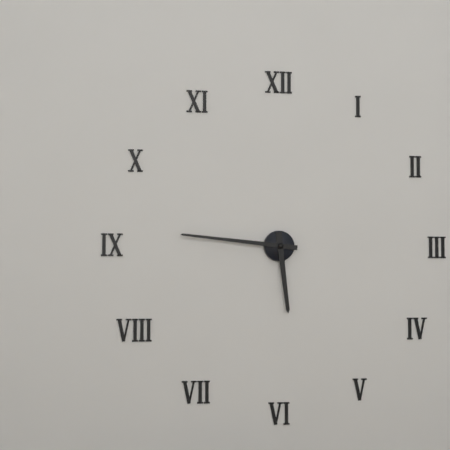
5:46
